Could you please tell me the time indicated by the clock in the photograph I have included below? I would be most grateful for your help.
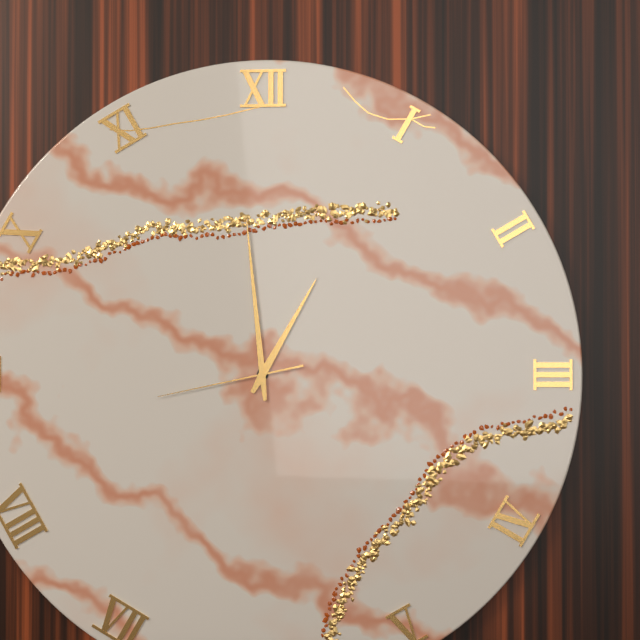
12:59:43
